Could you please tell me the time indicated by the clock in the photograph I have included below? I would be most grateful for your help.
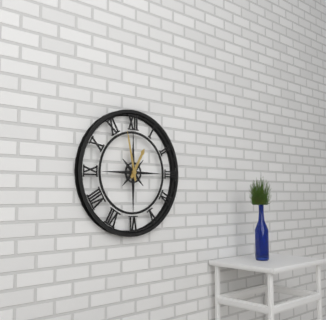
12:58
